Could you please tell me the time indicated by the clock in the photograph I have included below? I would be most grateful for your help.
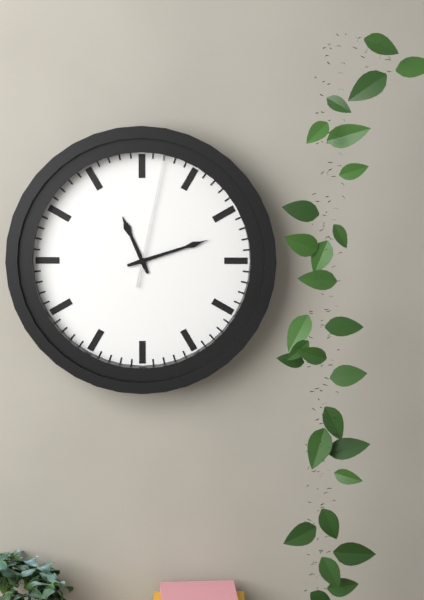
11:12:02
